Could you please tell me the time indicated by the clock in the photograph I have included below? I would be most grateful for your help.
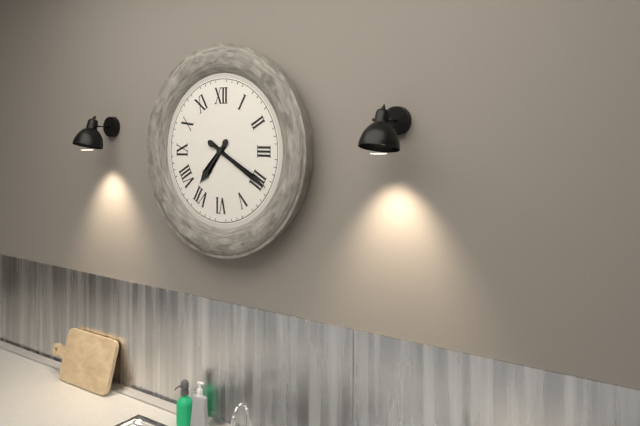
7:20
